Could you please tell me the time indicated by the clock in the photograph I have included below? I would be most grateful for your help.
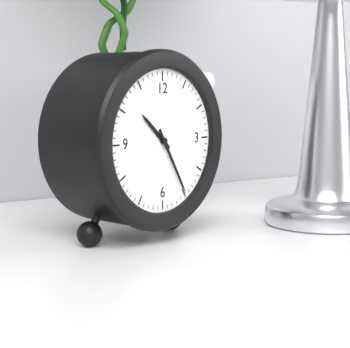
10:25
